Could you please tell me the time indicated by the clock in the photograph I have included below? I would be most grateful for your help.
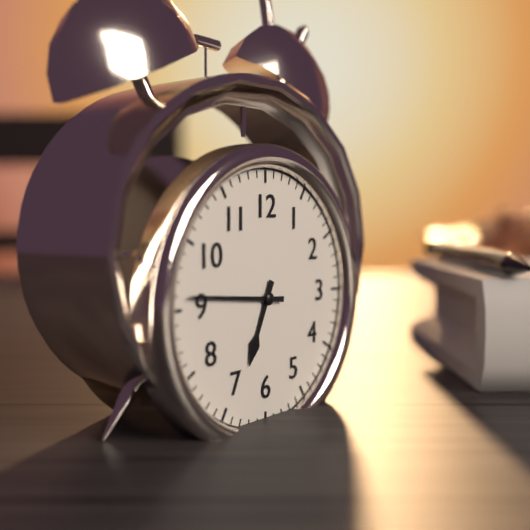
6:46
